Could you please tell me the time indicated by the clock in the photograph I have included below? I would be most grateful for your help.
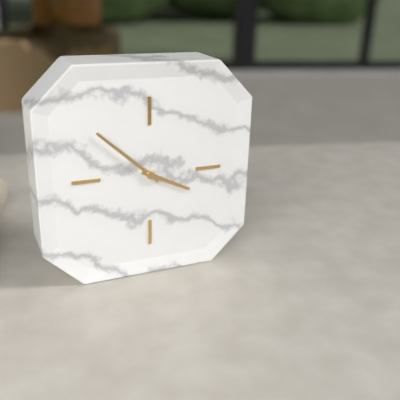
3:52
